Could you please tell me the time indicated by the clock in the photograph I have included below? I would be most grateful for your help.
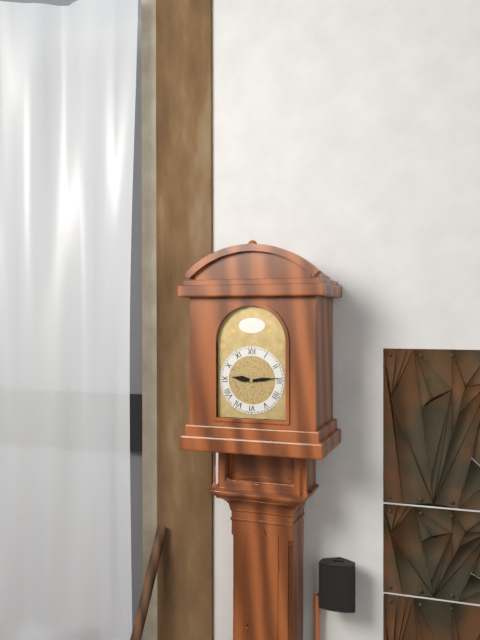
9:14
